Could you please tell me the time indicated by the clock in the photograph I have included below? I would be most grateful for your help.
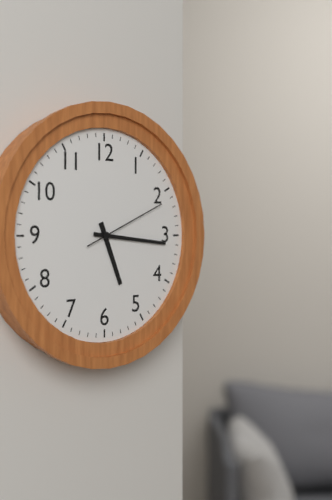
5:16:11
